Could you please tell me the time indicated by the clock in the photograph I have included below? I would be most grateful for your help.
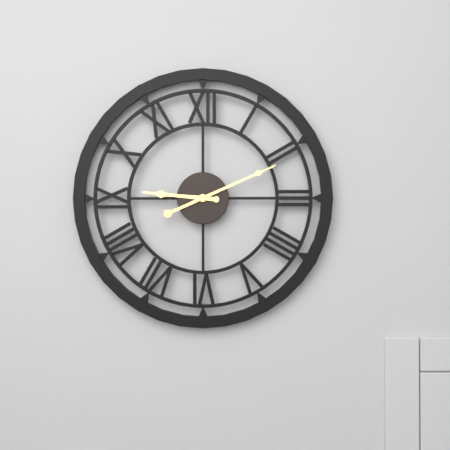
9:11
